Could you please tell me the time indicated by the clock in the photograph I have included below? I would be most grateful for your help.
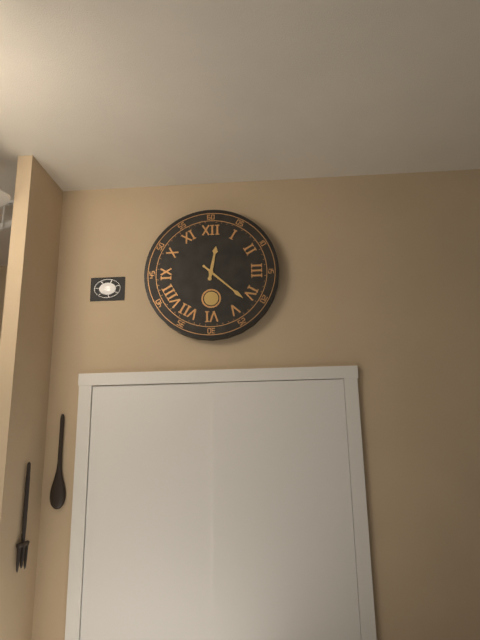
12:22
